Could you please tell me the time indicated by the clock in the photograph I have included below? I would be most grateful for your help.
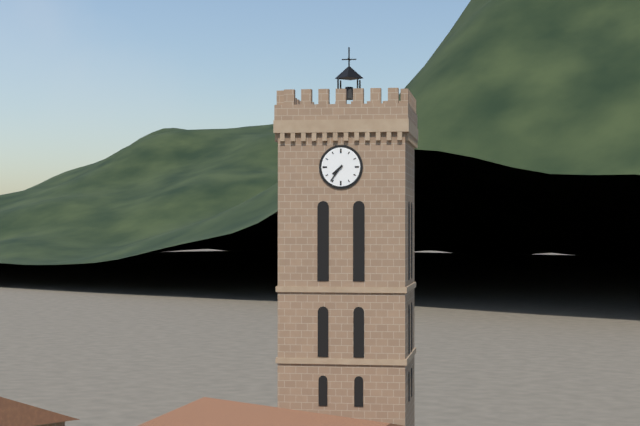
7:36
